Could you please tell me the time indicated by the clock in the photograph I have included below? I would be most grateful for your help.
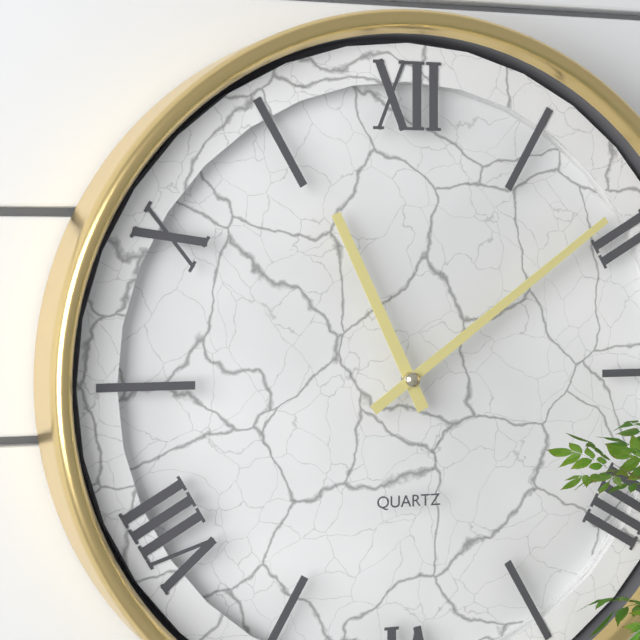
11:09
